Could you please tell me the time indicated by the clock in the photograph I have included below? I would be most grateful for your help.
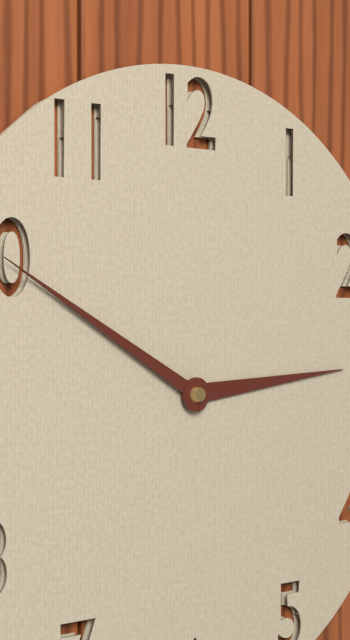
2:50
